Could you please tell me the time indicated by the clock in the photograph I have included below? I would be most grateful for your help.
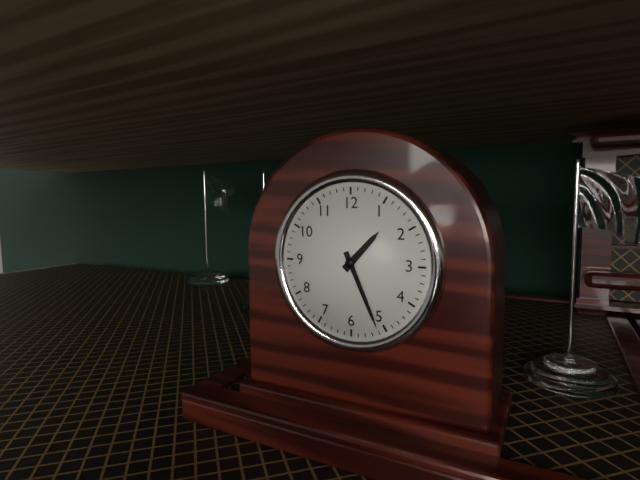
1:26
